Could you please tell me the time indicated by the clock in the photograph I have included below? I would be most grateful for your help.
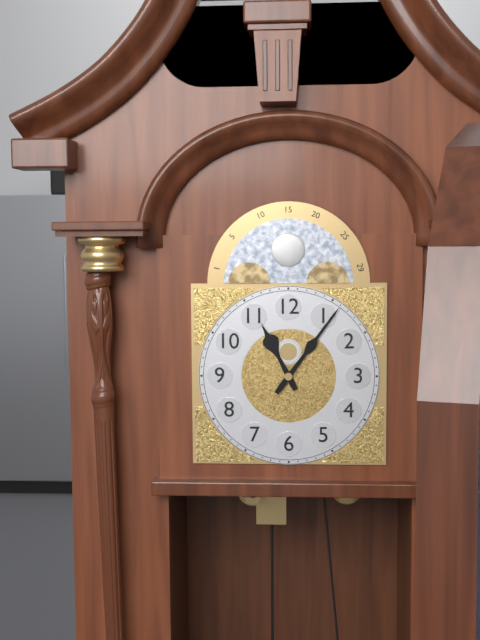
11:06
